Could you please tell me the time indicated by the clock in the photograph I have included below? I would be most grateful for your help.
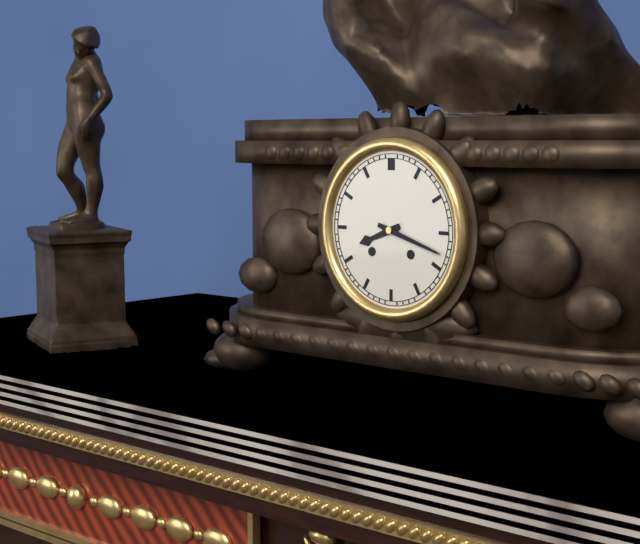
8:18
